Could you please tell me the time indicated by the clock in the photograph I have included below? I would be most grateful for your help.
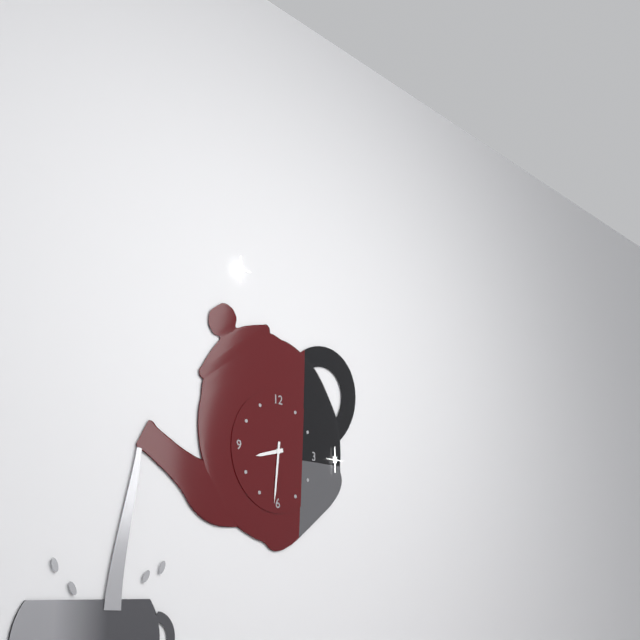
8:31
